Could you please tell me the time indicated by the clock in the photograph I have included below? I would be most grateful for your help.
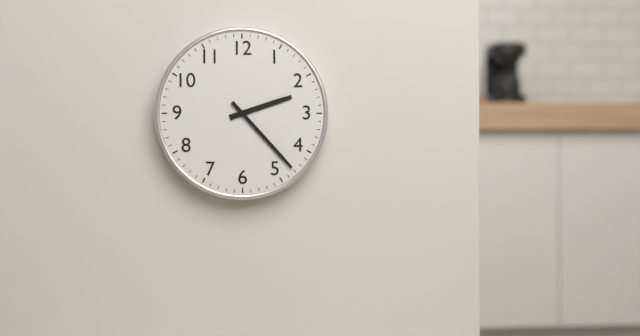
2:23
